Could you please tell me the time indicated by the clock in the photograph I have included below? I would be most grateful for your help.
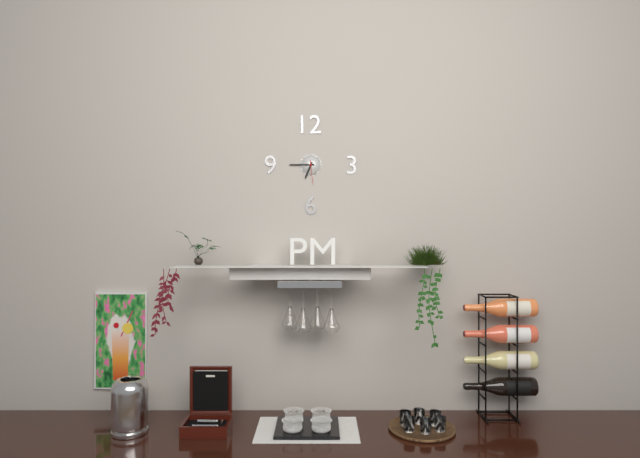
6:45
